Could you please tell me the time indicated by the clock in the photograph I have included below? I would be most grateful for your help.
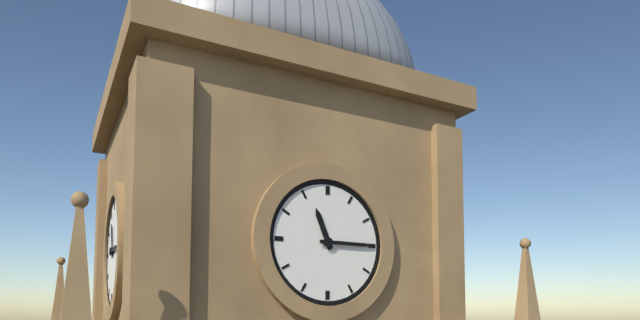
11:15
